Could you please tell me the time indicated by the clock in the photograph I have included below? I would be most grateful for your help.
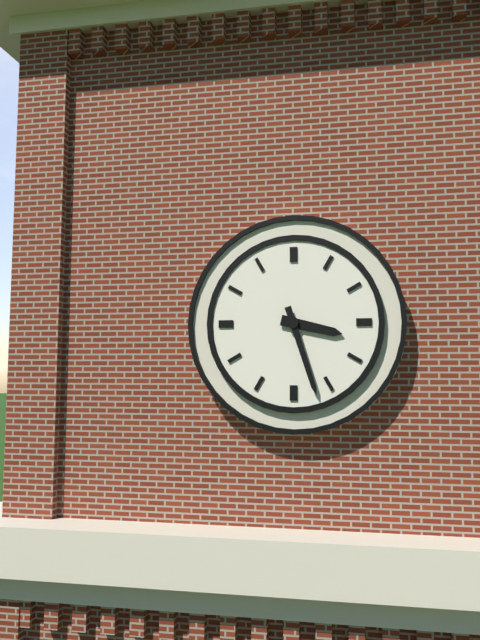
3:27
